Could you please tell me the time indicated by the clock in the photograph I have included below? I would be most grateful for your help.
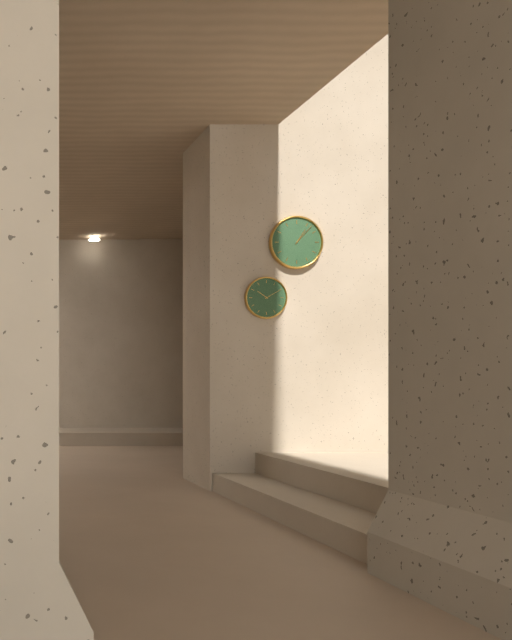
1:07
